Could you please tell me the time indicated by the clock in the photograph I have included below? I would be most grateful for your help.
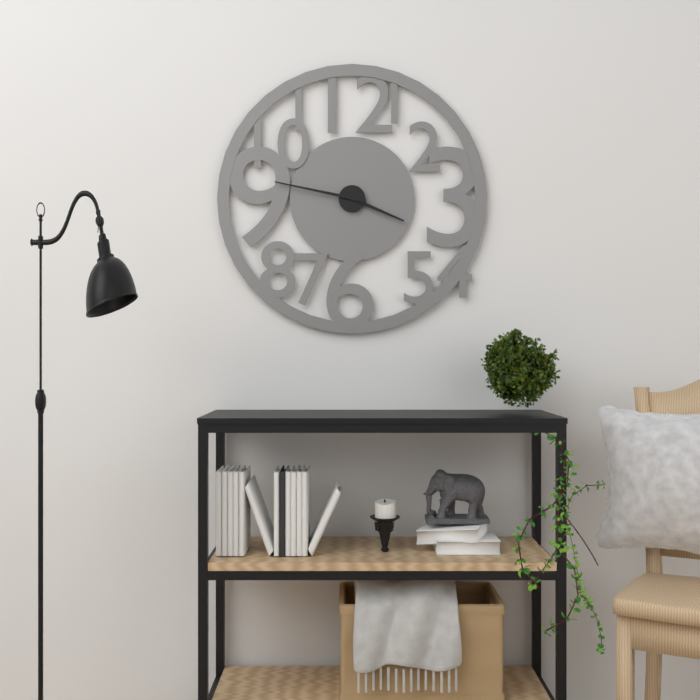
3:47
